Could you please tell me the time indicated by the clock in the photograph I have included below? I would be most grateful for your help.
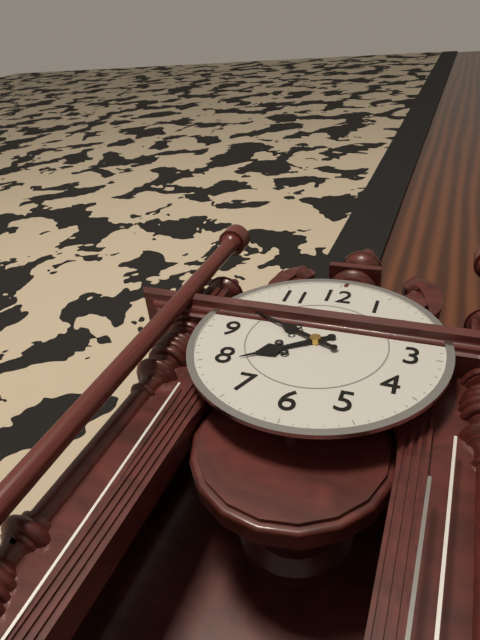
7:49
